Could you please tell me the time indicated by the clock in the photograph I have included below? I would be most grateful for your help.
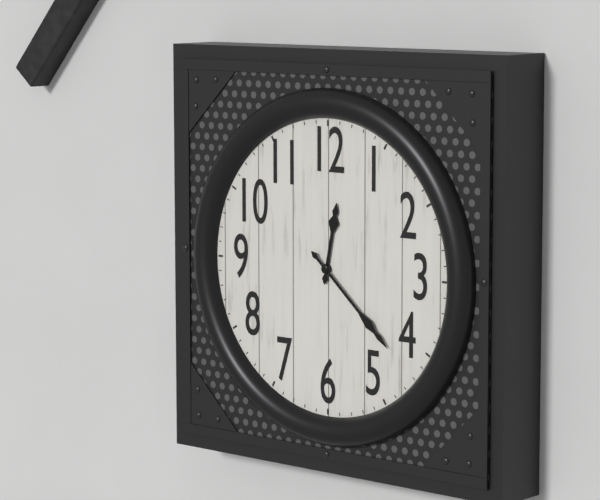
12:22
